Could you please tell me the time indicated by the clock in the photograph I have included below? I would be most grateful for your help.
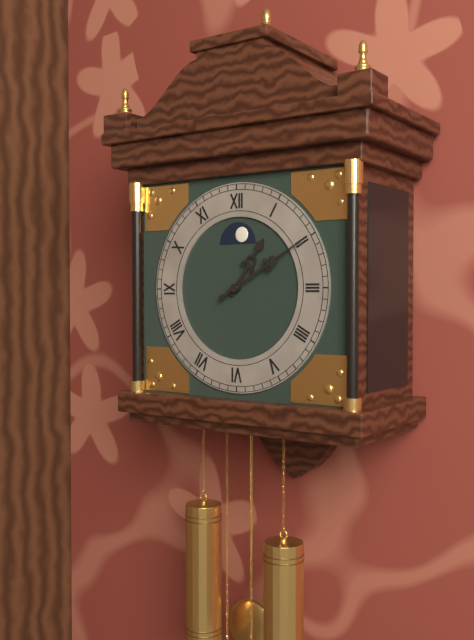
1:10
